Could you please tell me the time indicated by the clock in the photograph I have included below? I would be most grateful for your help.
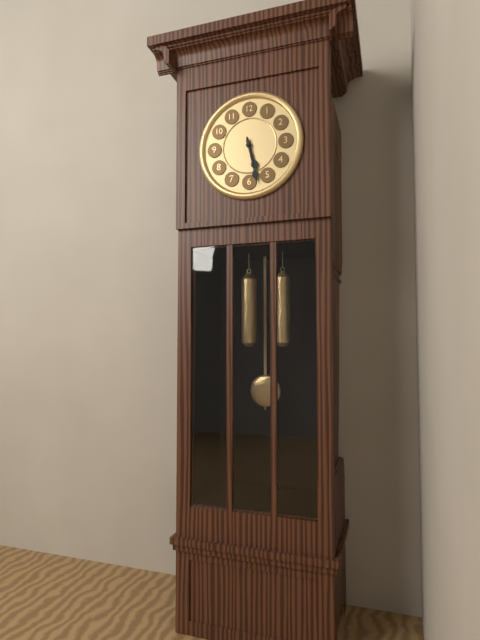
5:28
